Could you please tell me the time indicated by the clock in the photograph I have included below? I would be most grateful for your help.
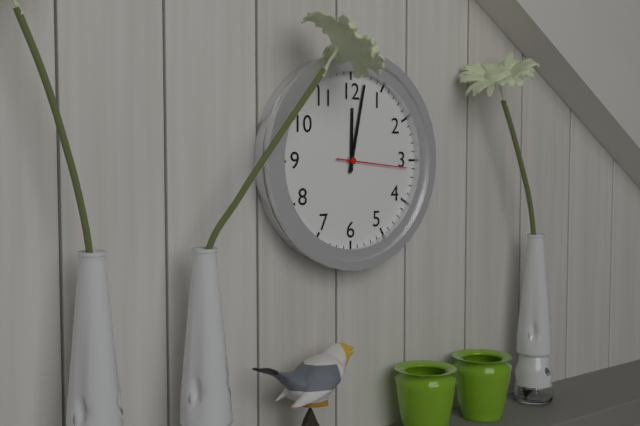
12:02:16
